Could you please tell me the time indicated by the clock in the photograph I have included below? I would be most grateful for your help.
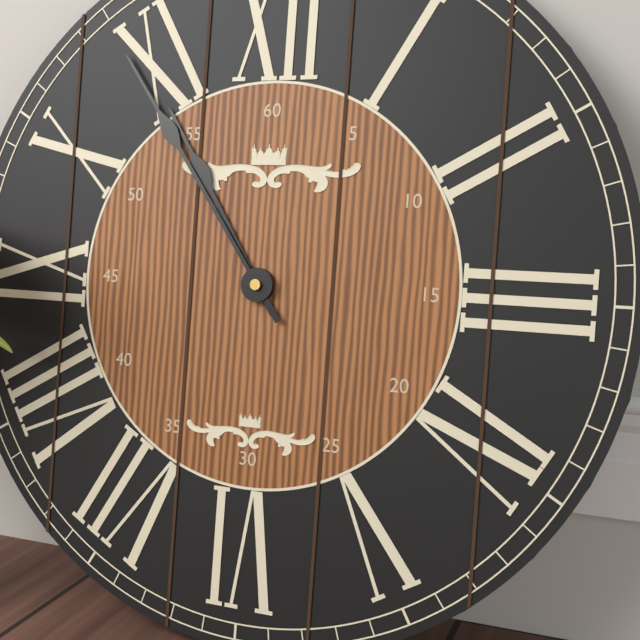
10:54
